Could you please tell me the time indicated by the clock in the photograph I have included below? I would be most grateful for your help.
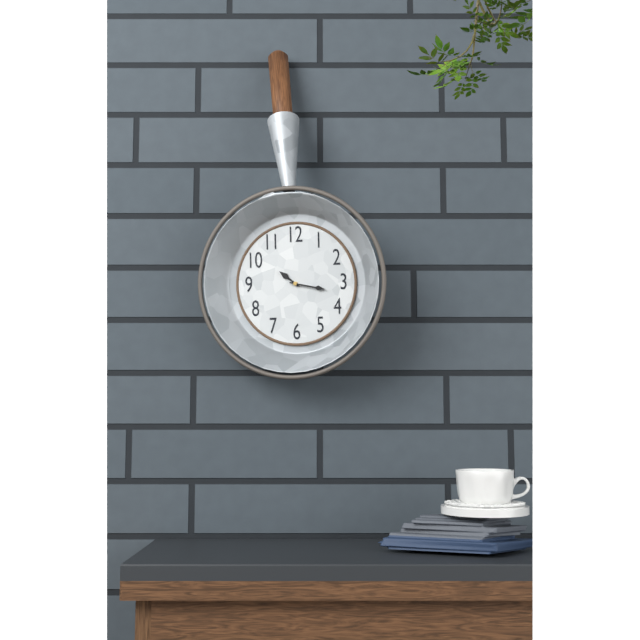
10:17
